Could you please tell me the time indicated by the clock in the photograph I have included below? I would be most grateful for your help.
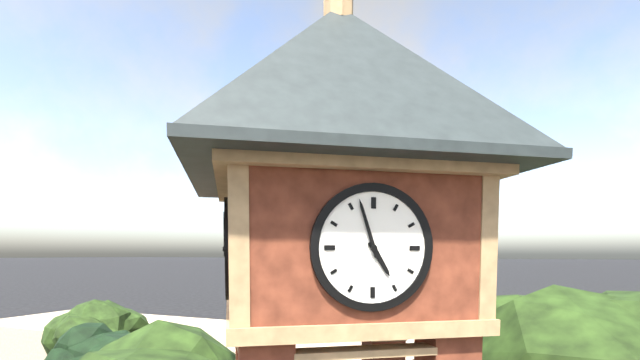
4:57
